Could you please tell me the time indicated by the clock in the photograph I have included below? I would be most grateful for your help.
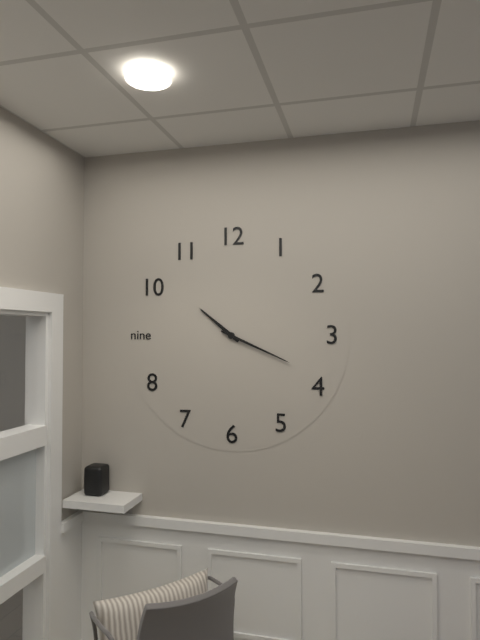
10:19
